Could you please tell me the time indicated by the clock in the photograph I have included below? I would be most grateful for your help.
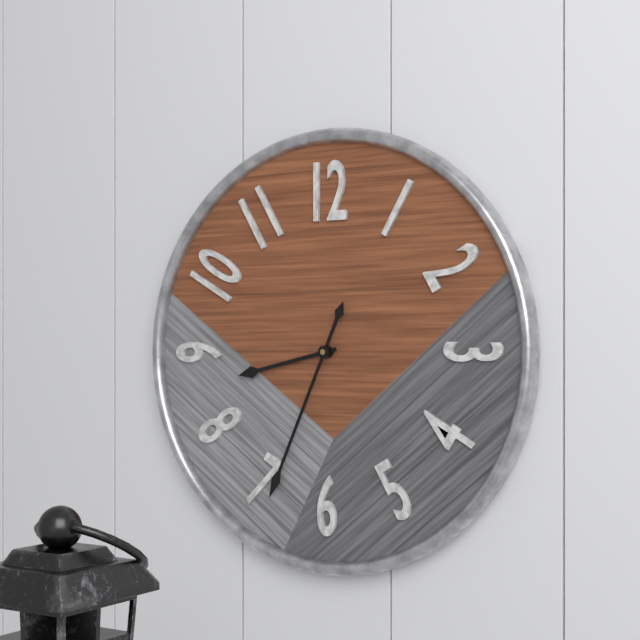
8:34
